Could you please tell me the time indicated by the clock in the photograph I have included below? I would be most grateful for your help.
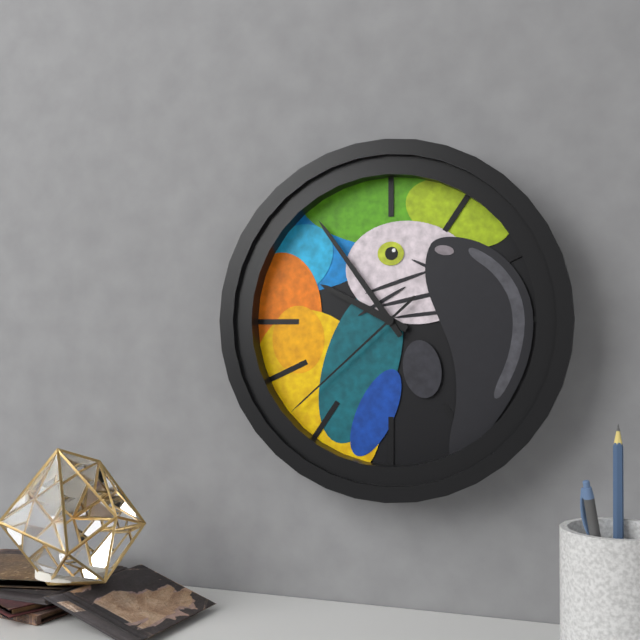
9:54:38
